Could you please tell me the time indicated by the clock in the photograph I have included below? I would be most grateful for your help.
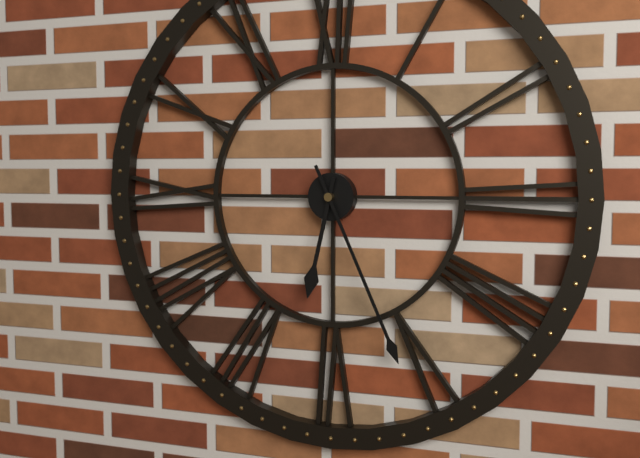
6:26
